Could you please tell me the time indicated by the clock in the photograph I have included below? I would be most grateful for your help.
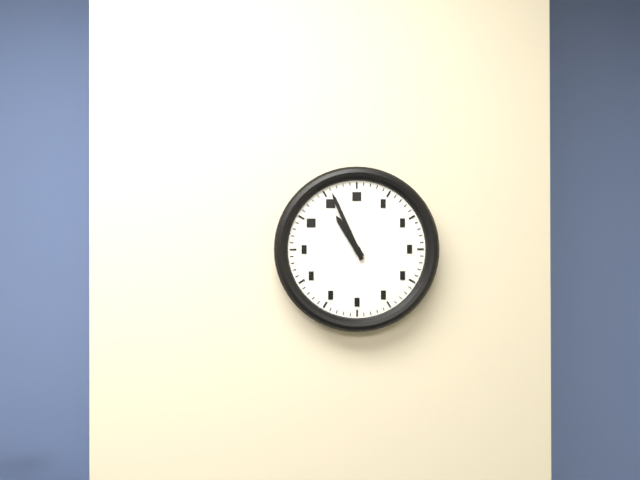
10:56
